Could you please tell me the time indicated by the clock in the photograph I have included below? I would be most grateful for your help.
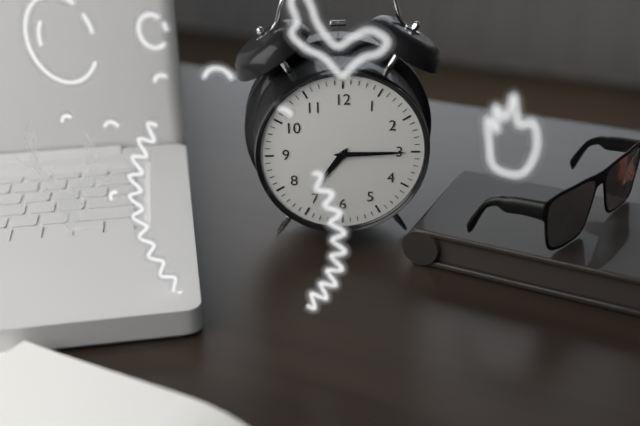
7:15
